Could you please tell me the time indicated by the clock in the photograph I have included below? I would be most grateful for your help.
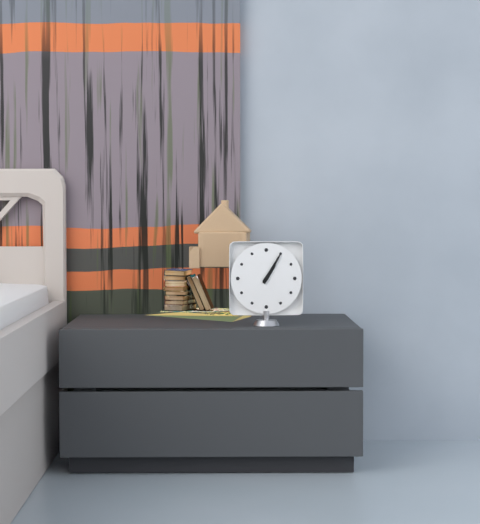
1:05
